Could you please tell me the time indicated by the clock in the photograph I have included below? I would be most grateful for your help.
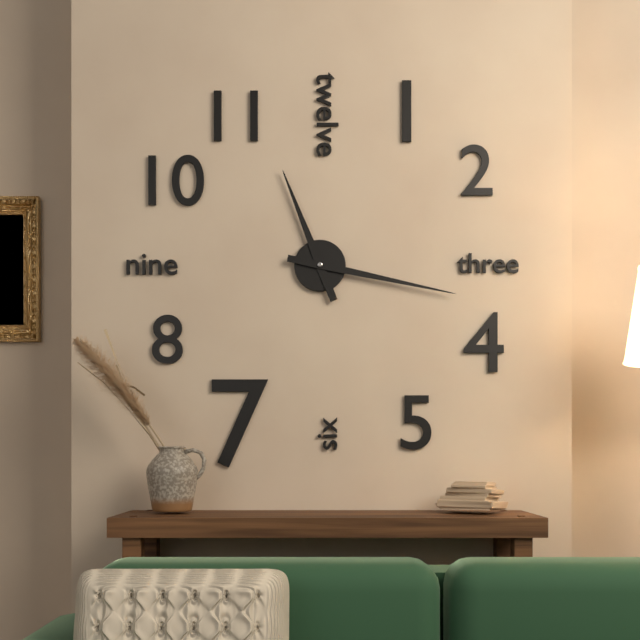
11:17
